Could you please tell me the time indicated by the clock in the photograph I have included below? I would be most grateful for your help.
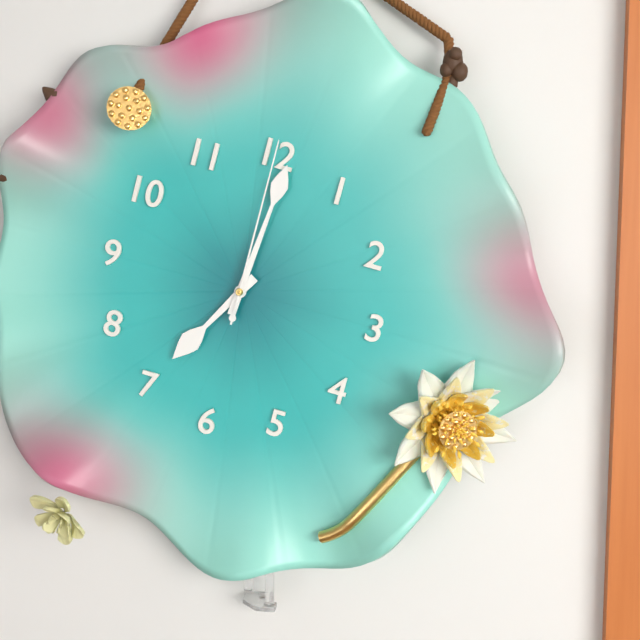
7:01:00
